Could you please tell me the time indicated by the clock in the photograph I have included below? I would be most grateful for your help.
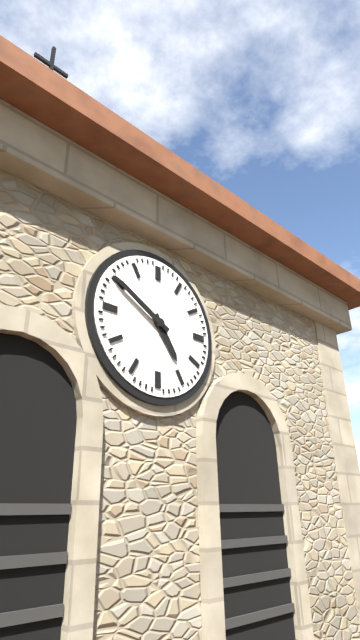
4:50
